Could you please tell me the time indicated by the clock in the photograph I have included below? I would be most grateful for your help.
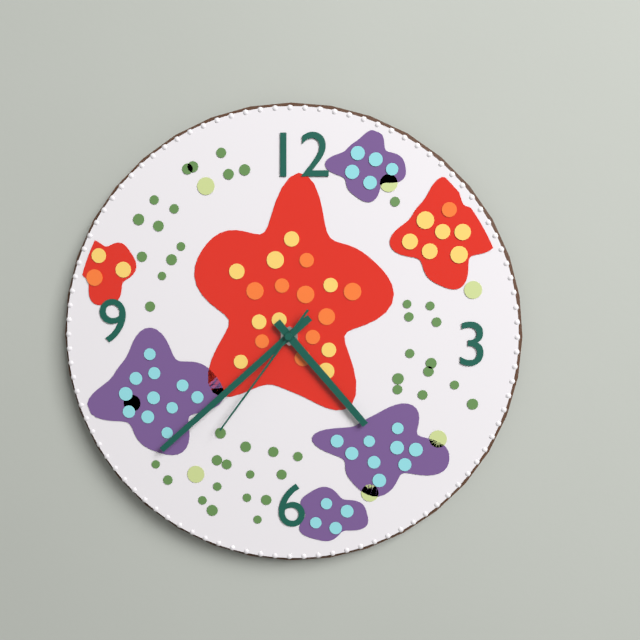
4:38:36
